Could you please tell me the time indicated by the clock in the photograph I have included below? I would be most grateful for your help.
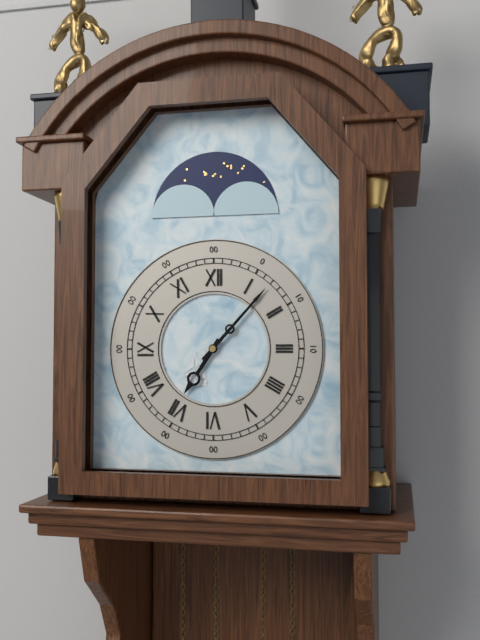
7:07
